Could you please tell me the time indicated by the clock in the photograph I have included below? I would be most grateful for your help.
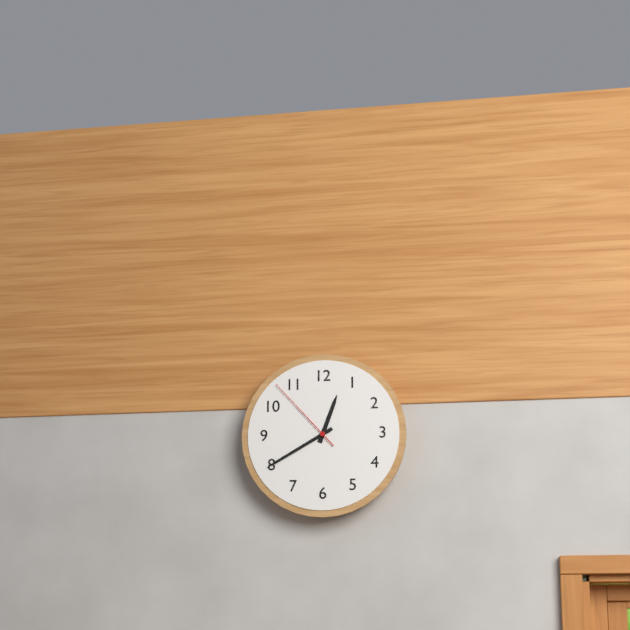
12:40:53
